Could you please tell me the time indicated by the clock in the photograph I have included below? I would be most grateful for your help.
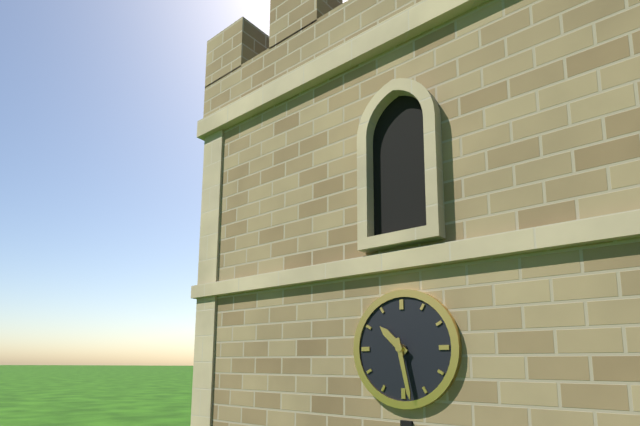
10:28
